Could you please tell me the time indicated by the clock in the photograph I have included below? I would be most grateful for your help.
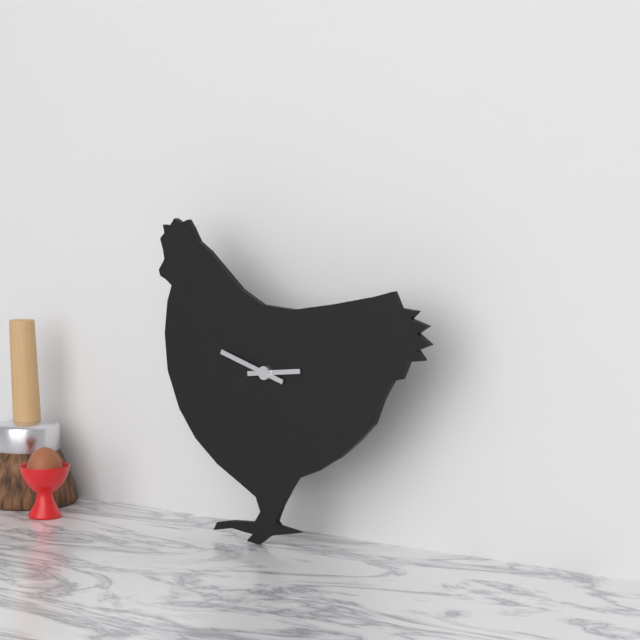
2:48
